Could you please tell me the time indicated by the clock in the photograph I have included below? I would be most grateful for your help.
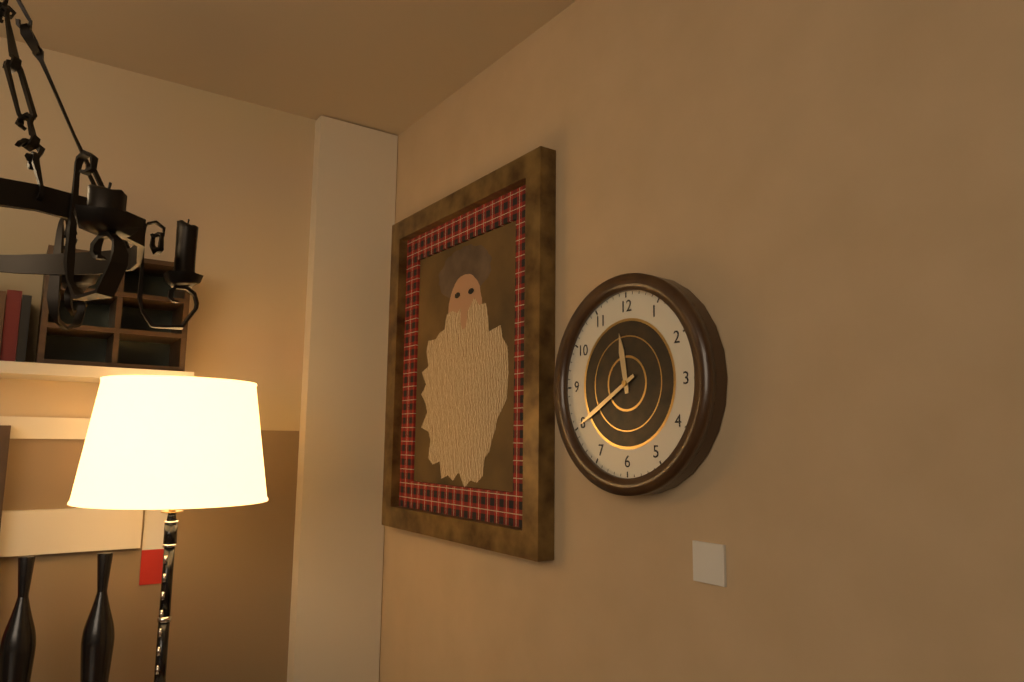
11:40
